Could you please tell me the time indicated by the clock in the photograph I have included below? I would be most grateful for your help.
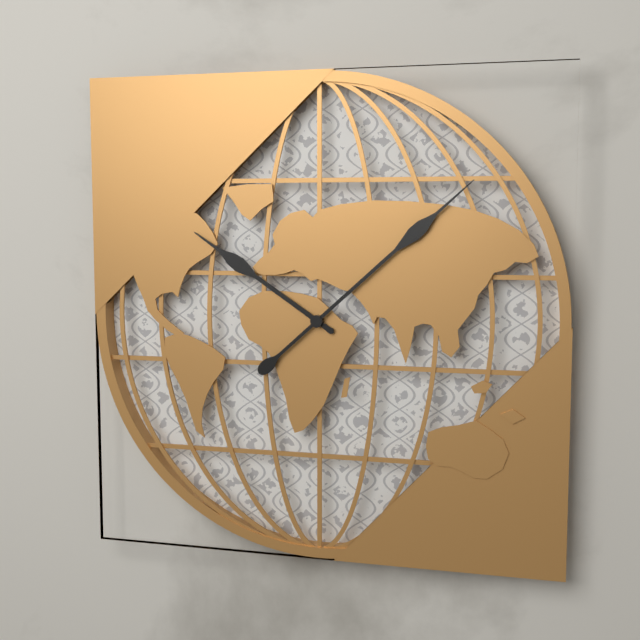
10:08
